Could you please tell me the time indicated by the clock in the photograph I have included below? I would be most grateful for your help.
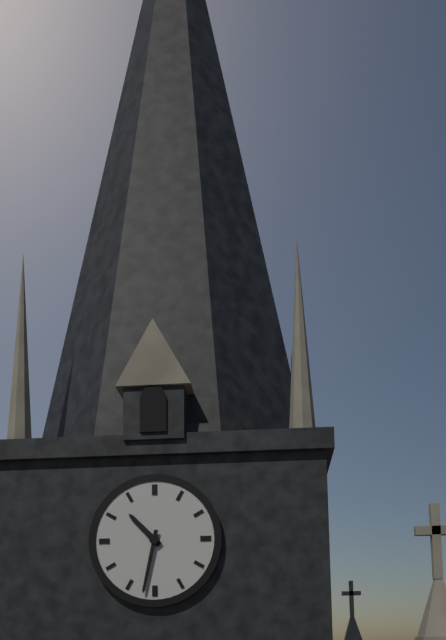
10:32
